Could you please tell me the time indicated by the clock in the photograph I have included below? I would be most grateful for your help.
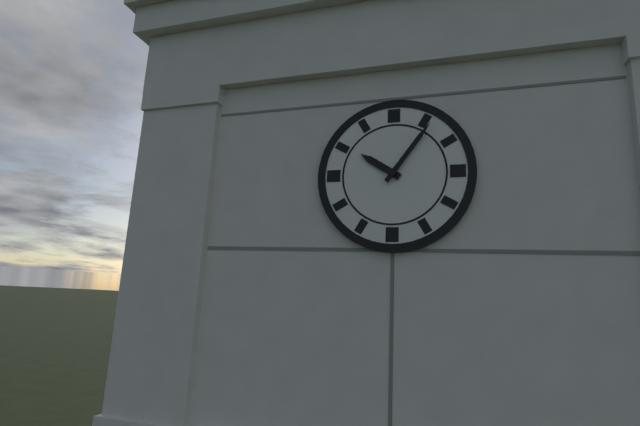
10:06
